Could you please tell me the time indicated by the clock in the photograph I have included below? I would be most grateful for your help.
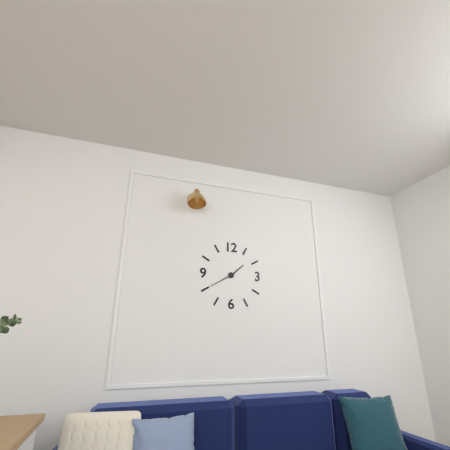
1:40
